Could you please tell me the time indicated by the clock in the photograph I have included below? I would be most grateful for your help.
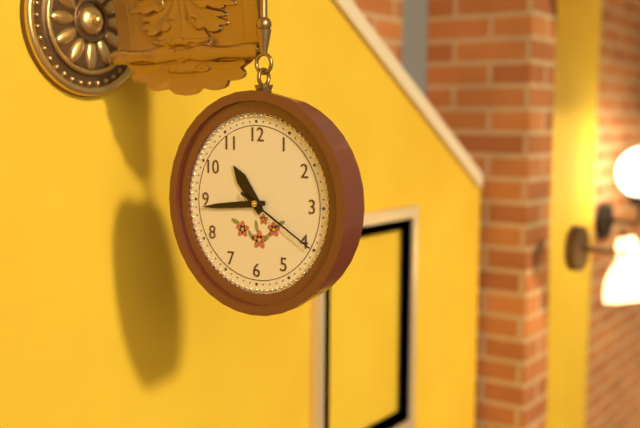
10:44:20
